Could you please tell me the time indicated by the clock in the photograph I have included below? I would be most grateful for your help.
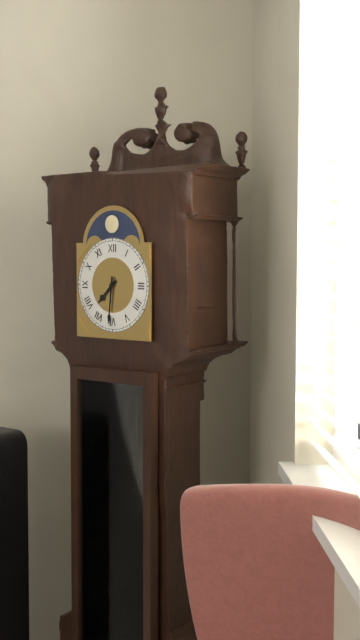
7:31
